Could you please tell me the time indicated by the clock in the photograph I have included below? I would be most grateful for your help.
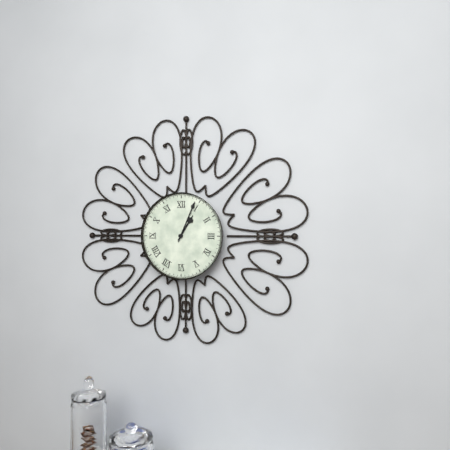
1:04
